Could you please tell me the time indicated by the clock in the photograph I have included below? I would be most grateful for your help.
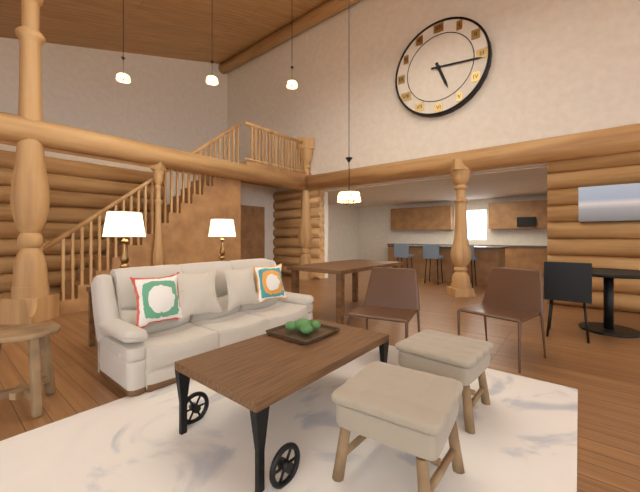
5:16
